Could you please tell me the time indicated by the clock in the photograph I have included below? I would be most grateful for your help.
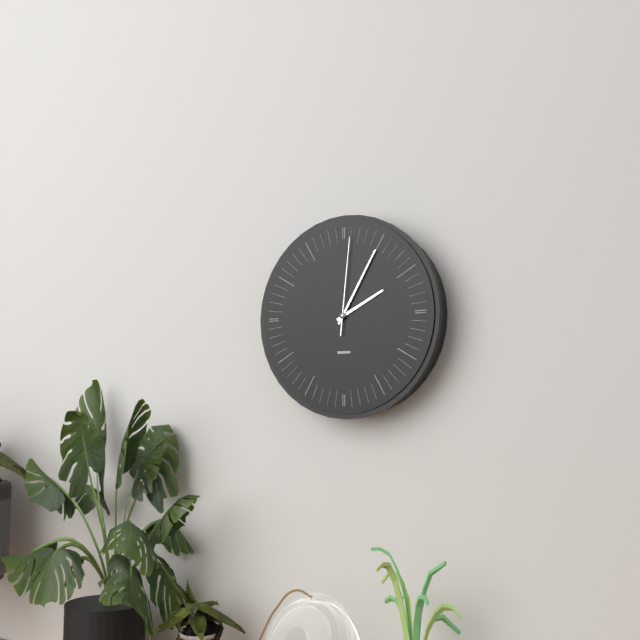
2:05:01
